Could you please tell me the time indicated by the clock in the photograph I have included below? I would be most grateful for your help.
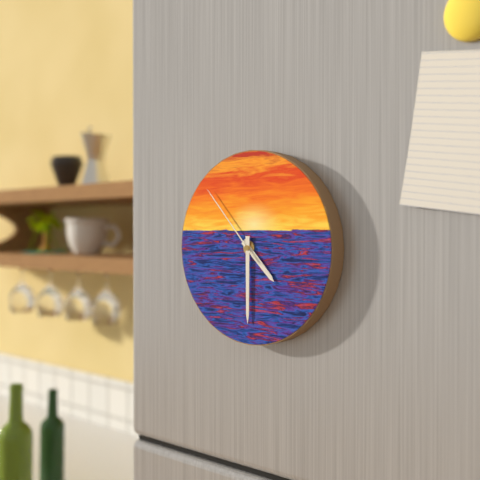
4:30:53
